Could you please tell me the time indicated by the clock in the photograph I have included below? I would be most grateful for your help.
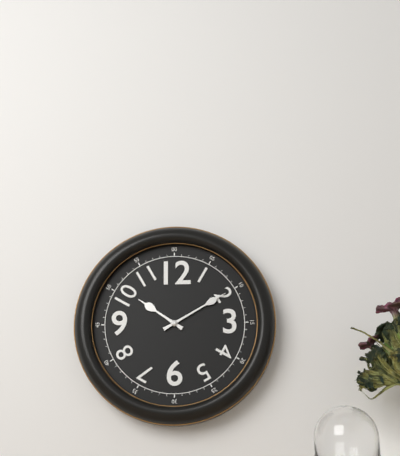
10:10
